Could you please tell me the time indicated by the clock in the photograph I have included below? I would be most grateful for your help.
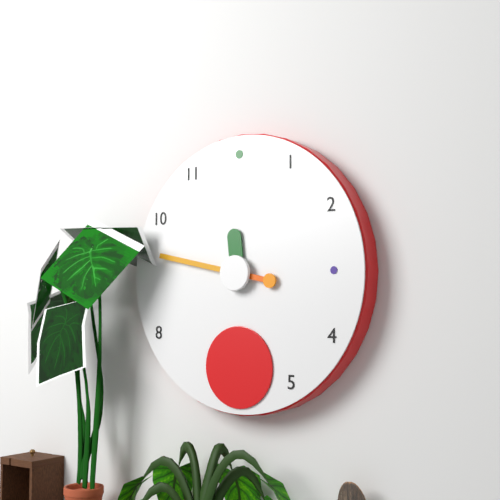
11:47
